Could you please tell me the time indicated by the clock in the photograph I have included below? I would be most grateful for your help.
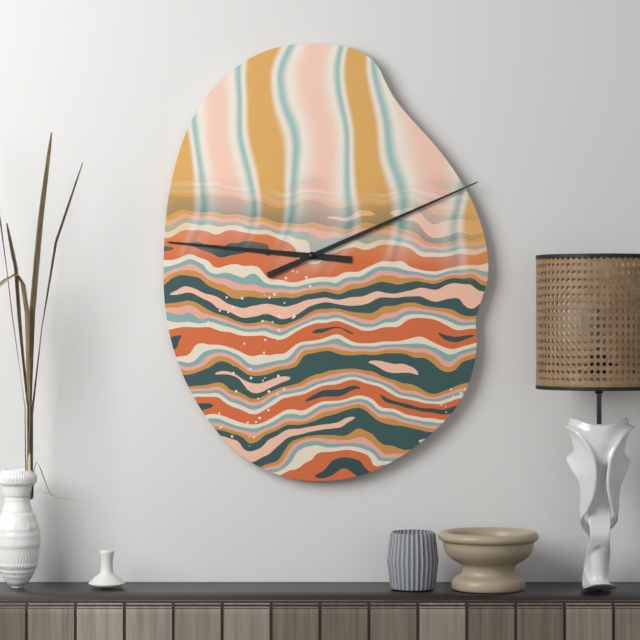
9:11
